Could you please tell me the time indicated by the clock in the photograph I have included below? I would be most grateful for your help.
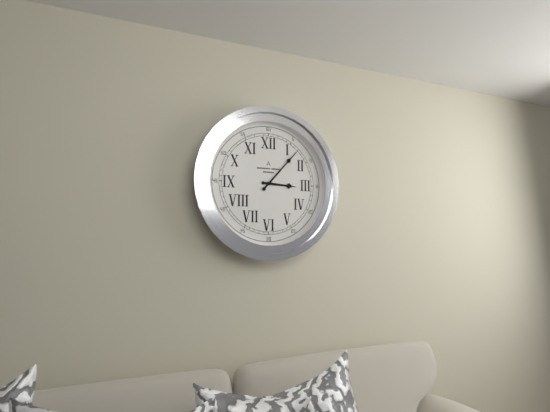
3:07
